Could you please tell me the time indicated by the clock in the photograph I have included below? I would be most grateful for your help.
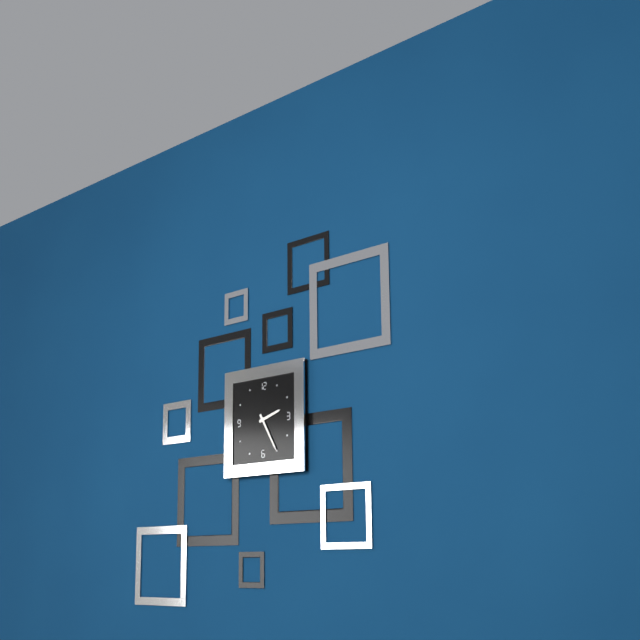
2:25
